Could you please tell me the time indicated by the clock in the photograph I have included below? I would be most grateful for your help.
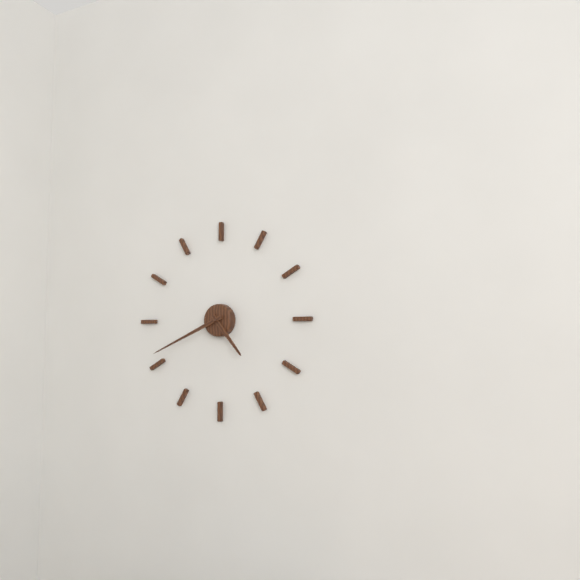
4:41
